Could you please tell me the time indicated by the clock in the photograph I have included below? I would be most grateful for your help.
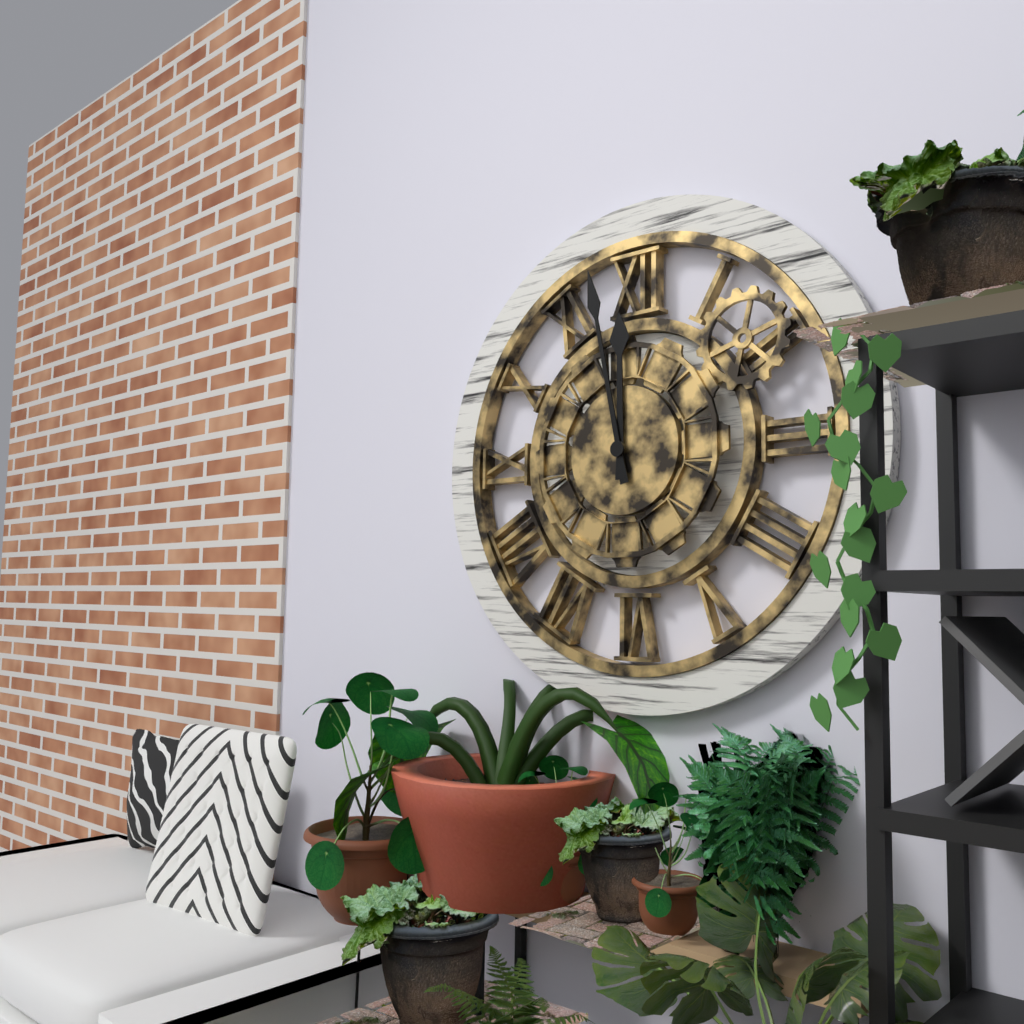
11:58
